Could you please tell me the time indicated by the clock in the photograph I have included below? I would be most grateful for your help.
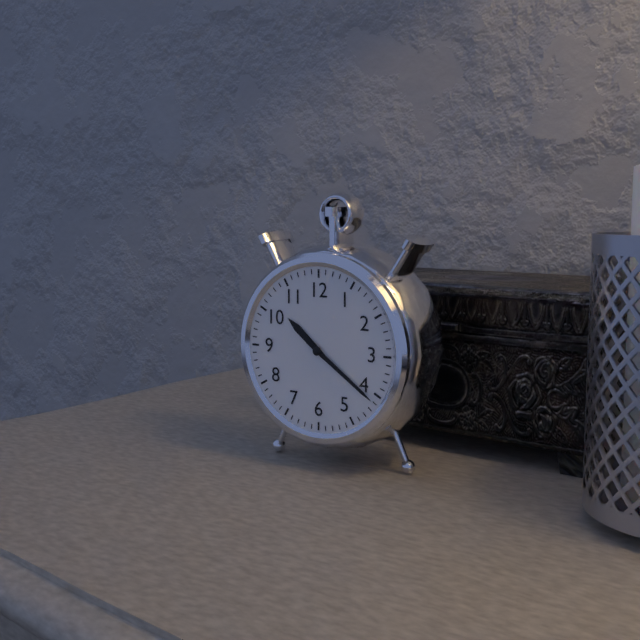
10:21
